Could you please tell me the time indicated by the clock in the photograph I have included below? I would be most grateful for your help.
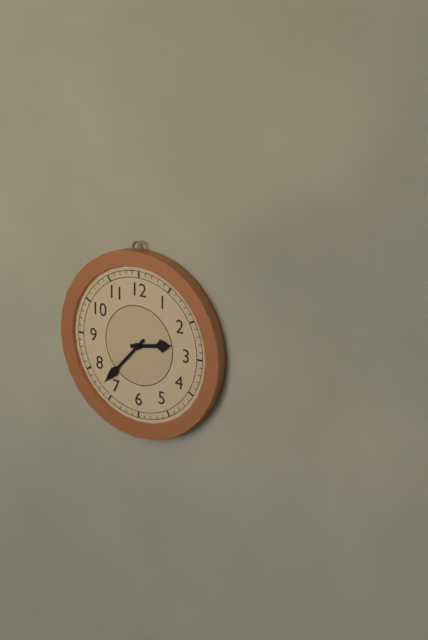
2:37
